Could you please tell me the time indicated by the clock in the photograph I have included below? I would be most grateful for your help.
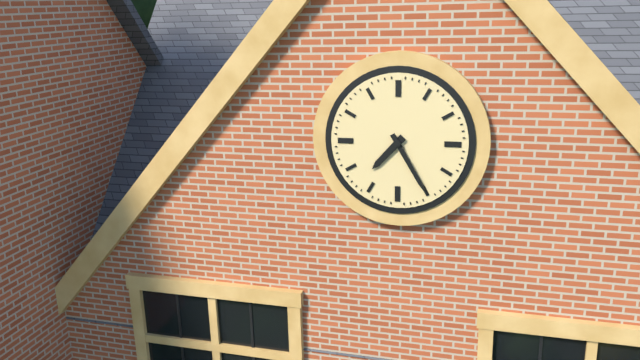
7:25
